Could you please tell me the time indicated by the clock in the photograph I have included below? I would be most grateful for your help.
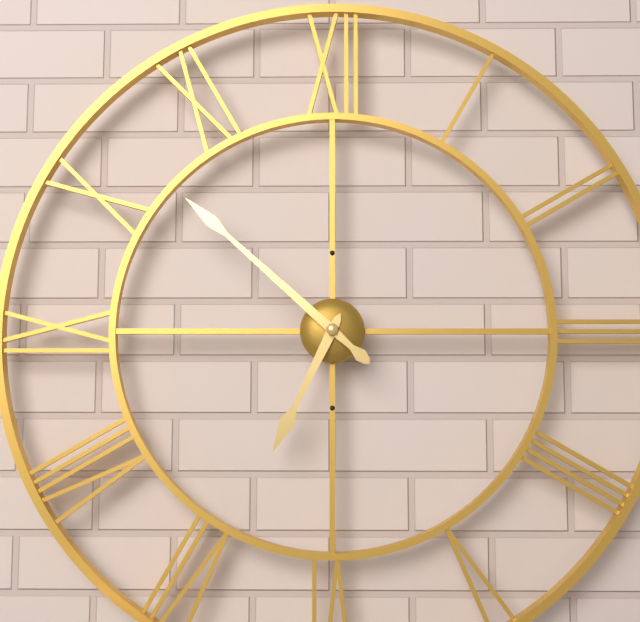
6:52
